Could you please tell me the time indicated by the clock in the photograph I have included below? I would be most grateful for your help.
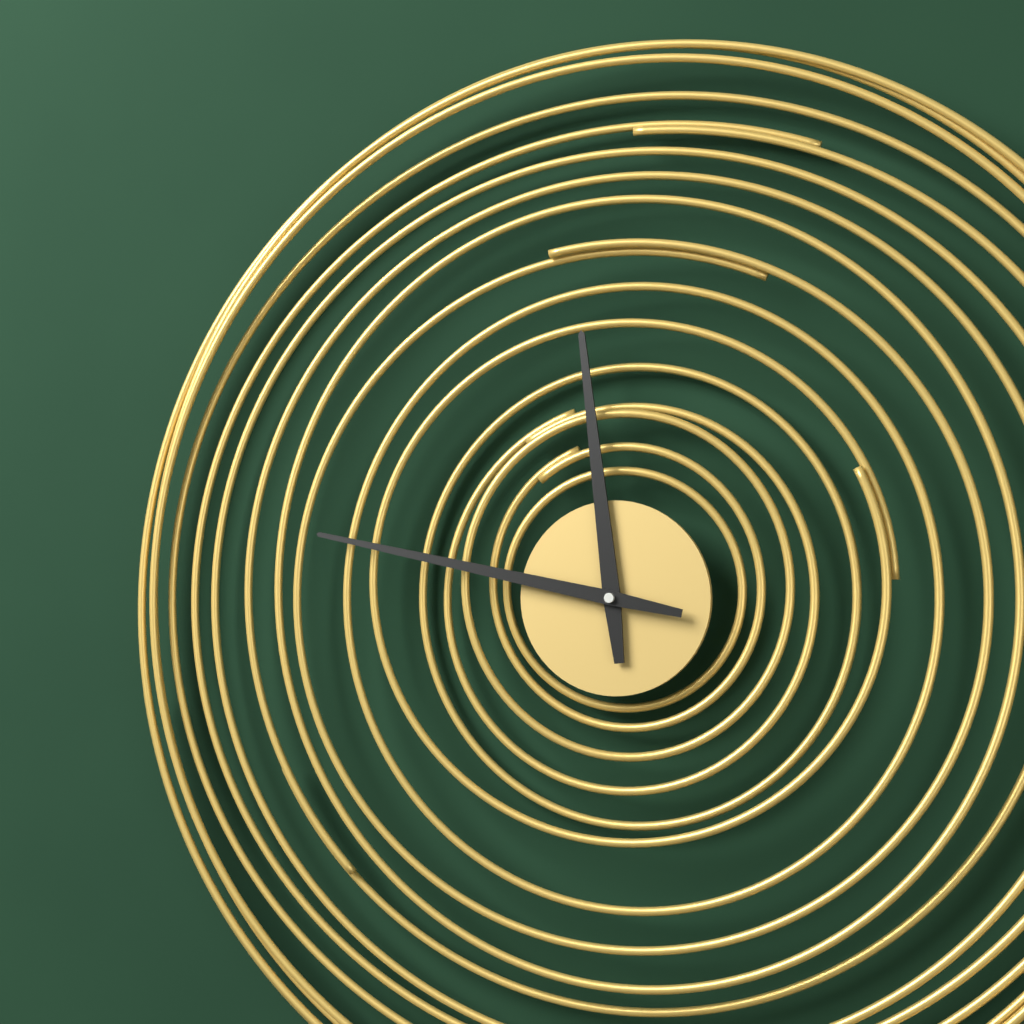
11:47
